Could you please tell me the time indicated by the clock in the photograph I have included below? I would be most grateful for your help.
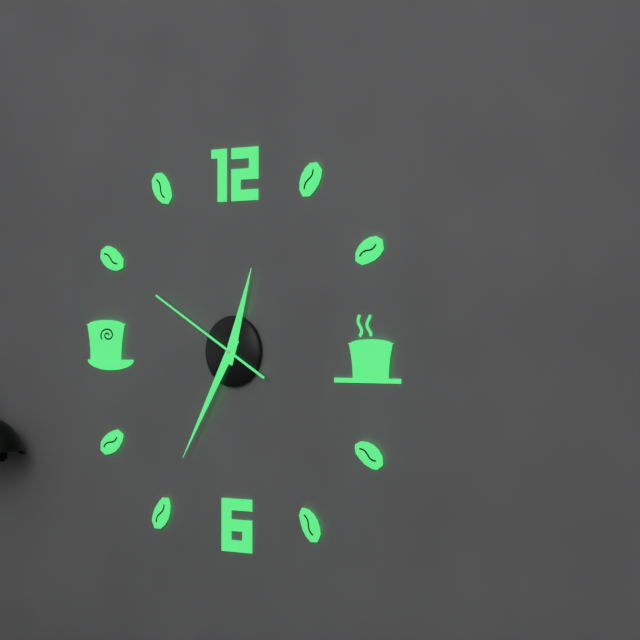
12:35:50
